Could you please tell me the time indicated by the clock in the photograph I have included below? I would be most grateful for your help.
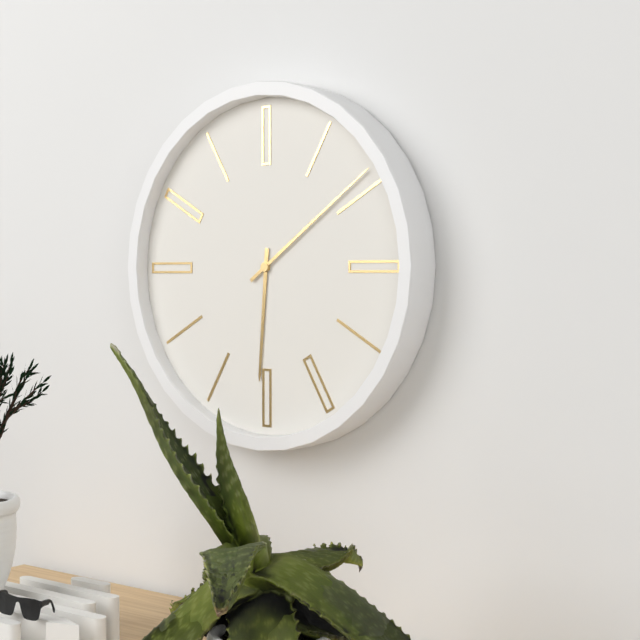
6:09
